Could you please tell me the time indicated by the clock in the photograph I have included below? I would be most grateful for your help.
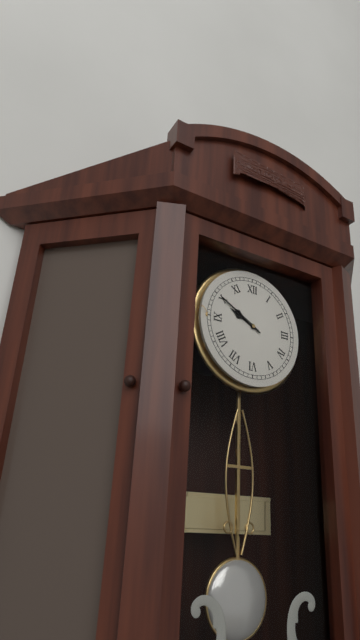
9:50
